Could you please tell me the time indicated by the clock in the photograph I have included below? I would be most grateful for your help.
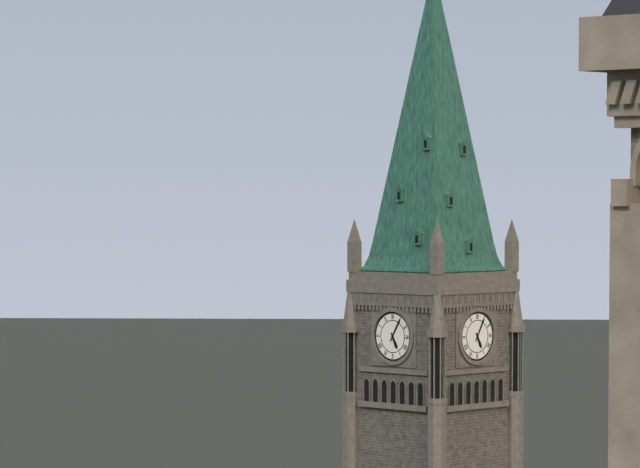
5:05
